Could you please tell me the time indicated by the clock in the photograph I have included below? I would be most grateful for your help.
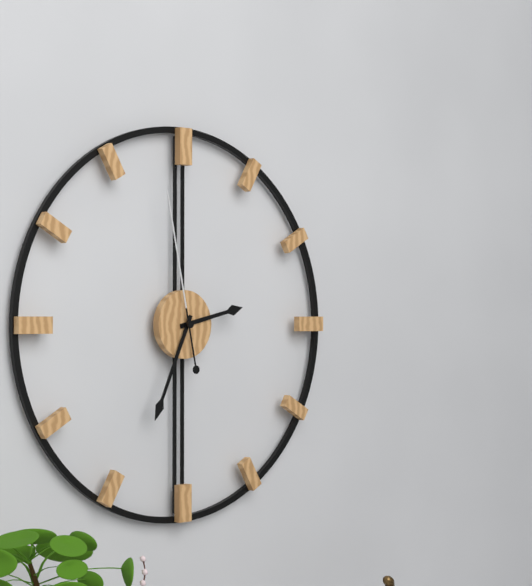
2:34:58
